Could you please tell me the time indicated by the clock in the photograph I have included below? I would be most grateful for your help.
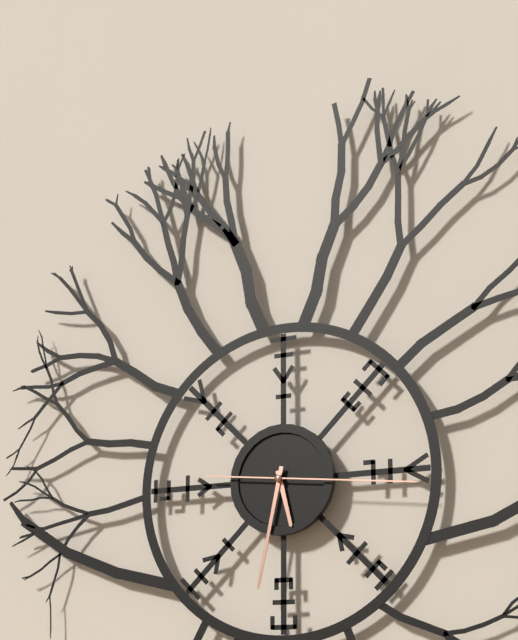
5:32:16
